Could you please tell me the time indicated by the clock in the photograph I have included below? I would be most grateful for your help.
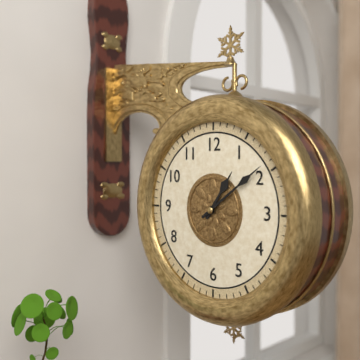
1:09
